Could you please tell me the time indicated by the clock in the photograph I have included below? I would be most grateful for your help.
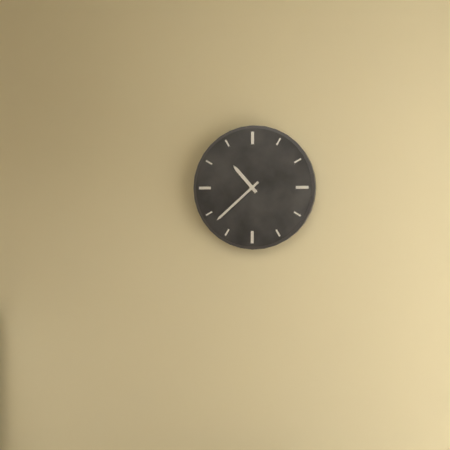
10:38
